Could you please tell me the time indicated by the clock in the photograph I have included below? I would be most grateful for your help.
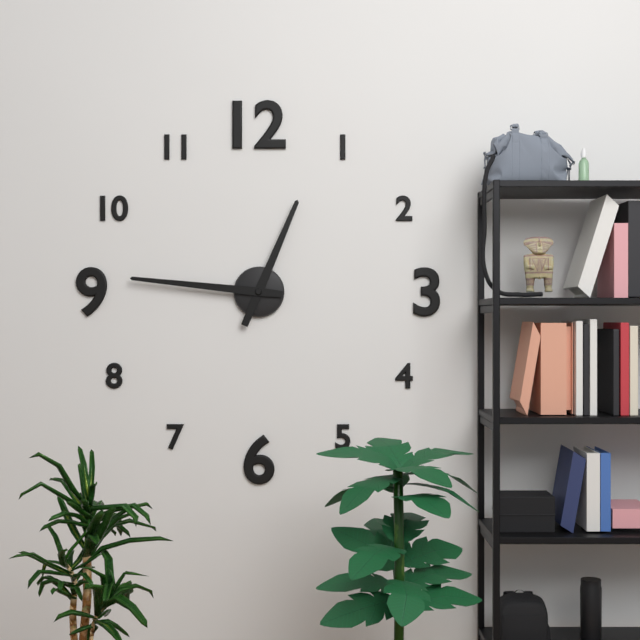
12:46
